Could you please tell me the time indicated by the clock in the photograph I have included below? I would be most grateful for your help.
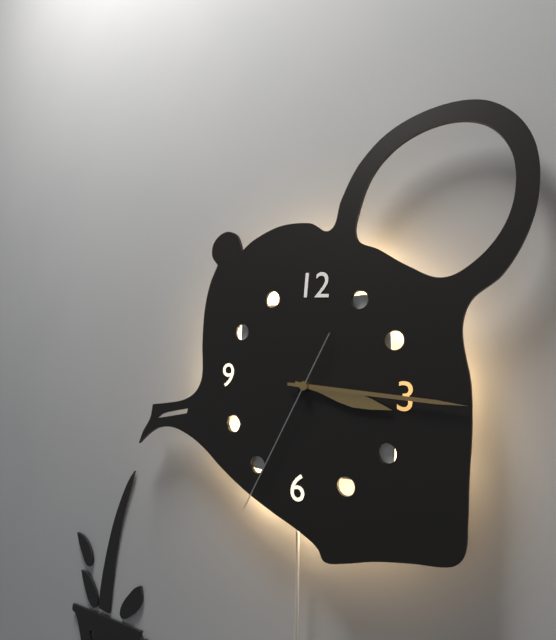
3:15:34
